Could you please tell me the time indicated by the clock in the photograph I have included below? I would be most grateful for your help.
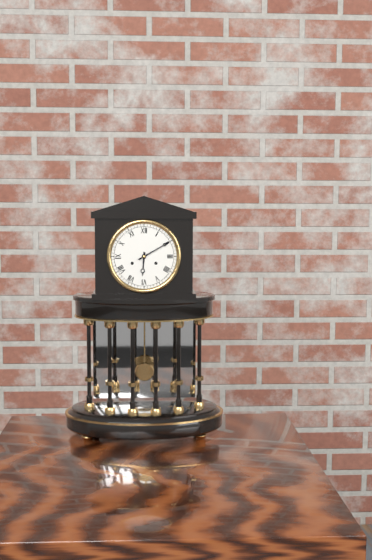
6:10
